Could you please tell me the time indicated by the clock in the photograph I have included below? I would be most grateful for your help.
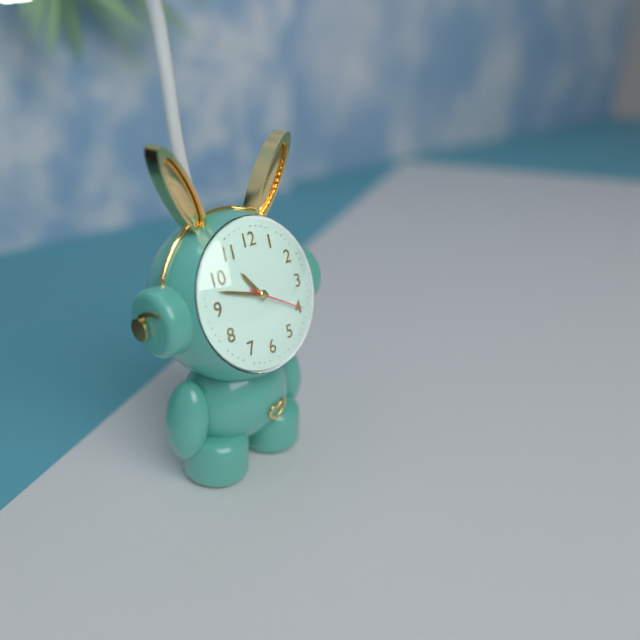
10:48:20
